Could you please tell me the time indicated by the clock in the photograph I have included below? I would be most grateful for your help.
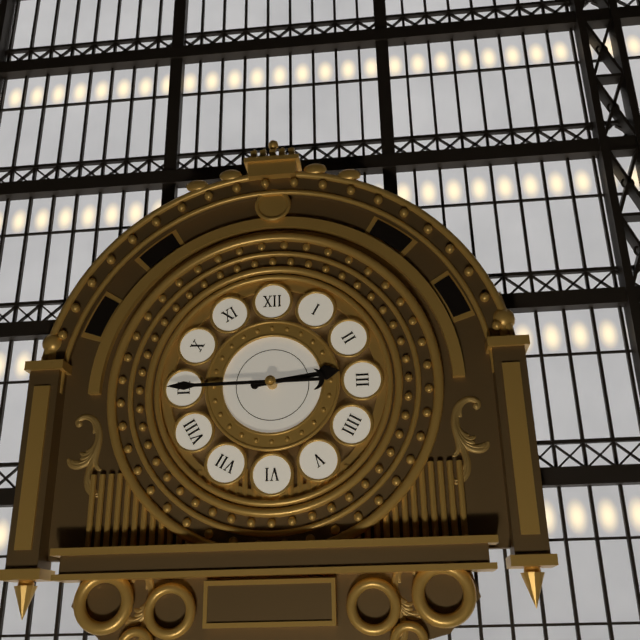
2:45
